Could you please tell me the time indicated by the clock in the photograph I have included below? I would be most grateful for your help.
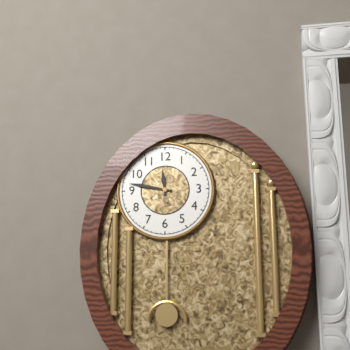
11:47
